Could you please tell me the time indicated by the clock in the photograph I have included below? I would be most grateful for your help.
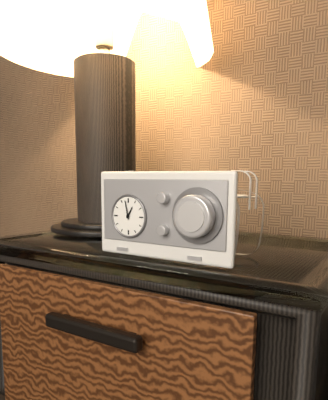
12:58
